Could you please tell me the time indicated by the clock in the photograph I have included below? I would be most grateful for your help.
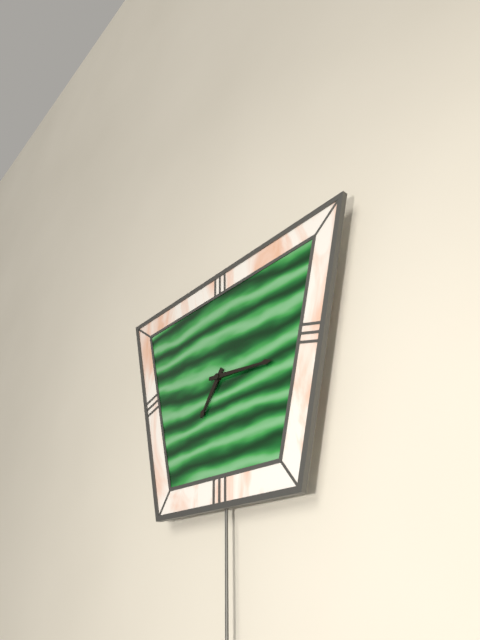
7:16
